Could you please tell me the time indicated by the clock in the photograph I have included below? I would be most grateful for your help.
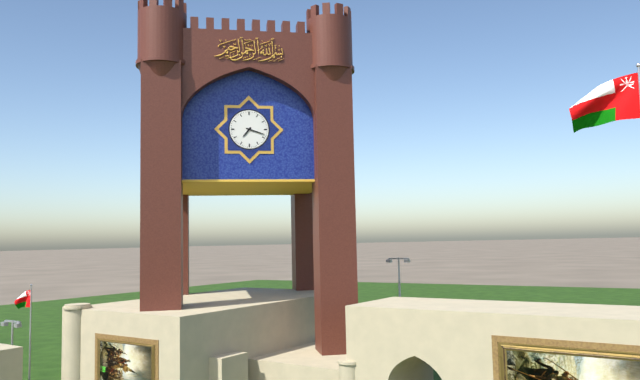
7:18
